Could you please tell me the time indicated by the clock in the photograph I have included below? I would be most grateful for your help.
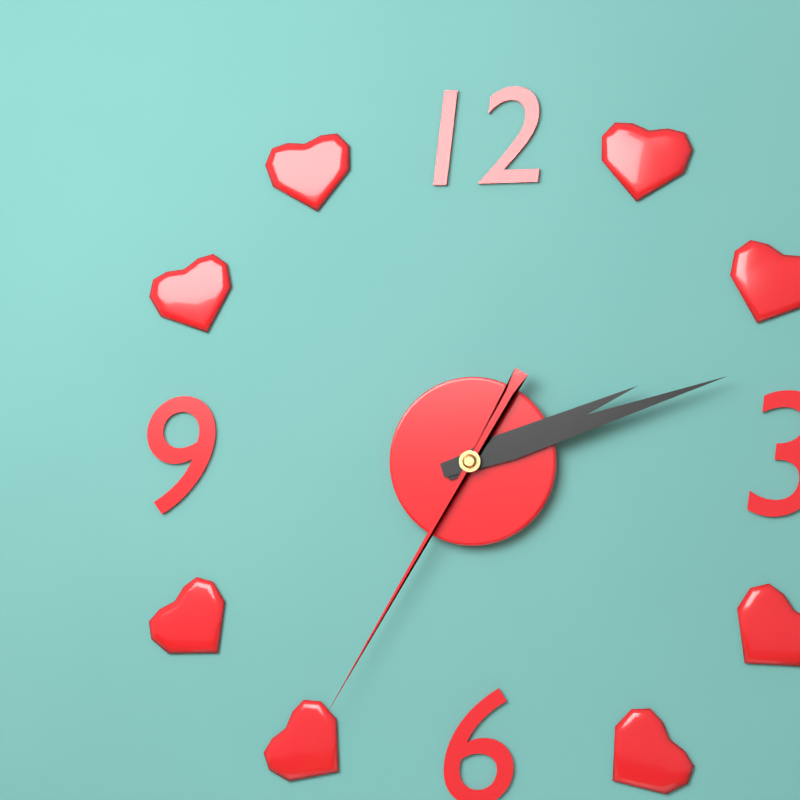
2:12:35
